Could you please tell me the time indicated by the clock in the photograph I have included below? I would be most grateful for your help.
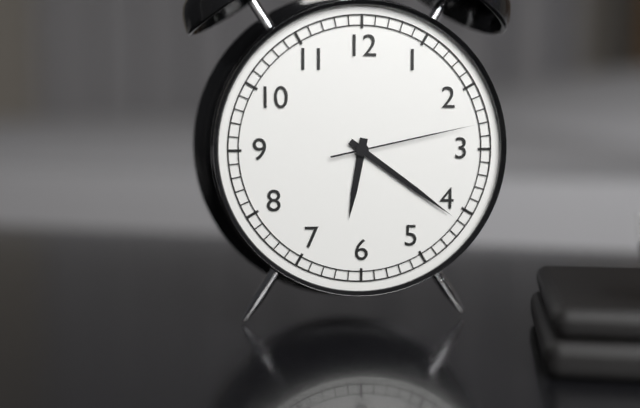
6:21:13
